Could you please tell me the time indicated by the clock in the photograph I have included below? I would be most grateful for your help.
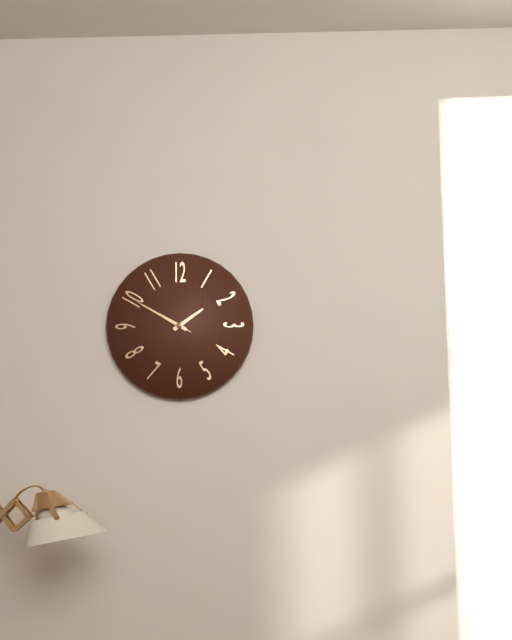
1:50:50
